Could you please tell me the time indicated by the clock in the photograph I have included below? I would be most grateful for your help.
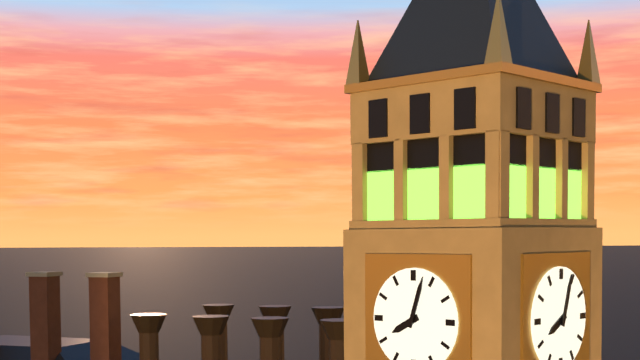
8:03
